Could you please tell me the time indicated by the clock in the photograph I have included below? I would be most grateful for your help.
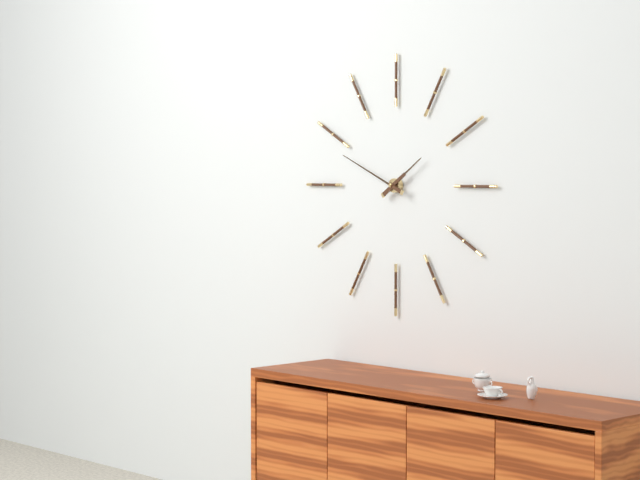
1:49
